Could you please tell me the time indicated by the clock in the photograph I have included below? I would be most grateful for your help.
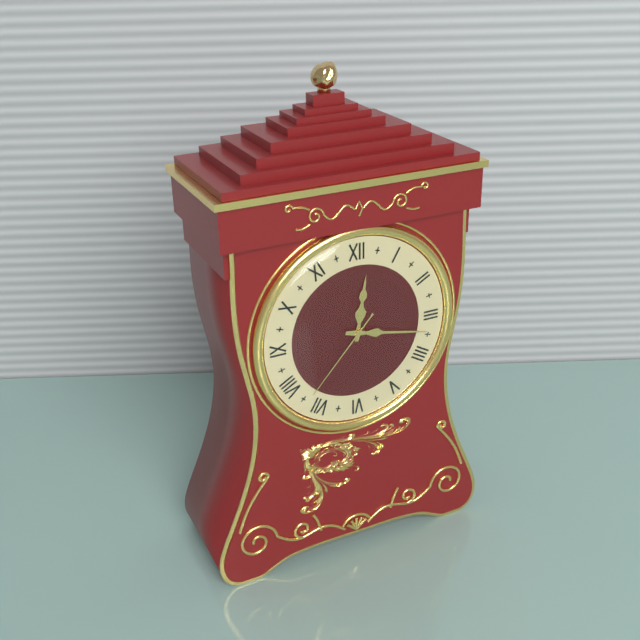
12:17:37
